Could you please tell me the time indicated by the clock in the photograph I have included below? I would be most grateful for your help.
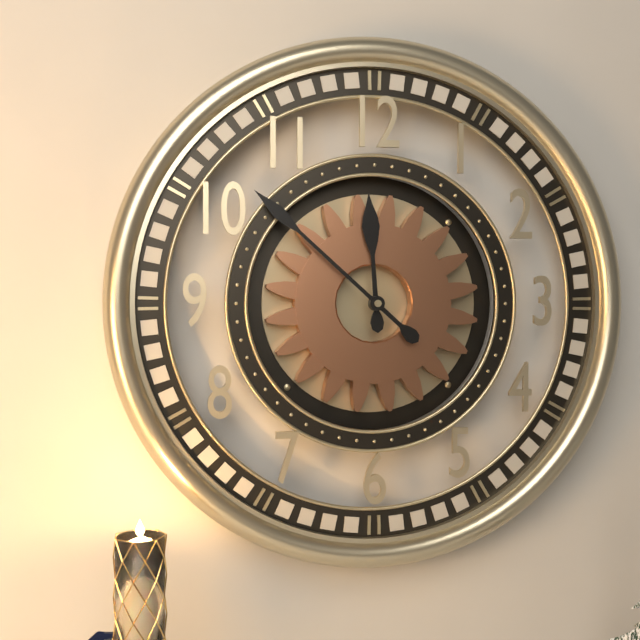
11:52
